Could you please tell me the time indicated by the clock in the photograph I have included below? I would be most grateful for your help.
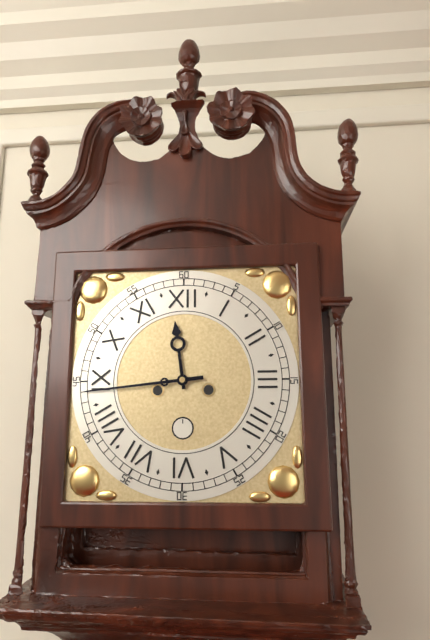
11:44
